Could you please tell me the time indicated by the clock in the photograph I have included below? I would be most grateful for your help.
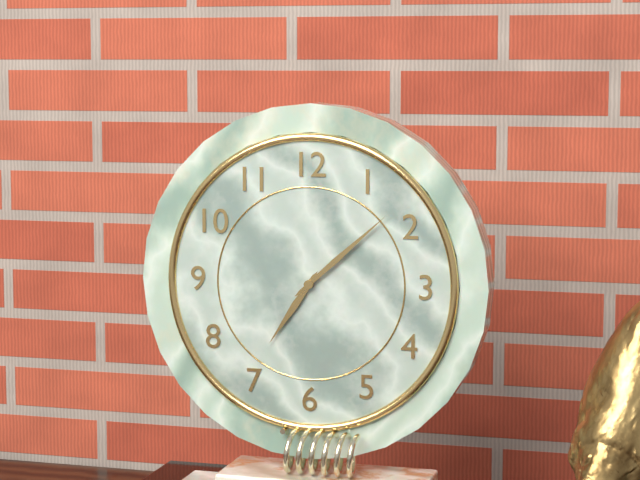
7:08
